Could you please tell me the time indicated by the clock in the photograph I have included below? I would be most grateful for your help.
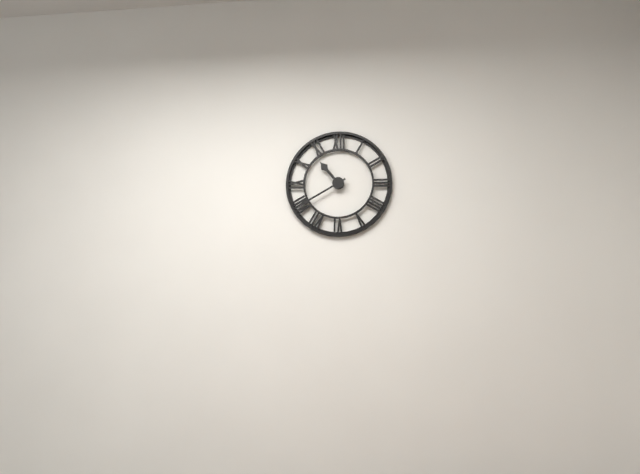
10:40
